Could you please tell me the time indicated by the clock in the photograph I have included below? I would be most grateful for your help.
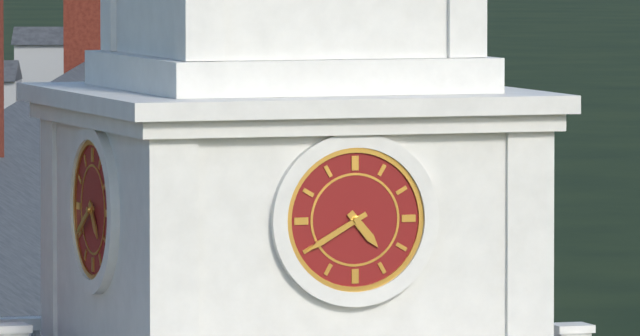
4:40
